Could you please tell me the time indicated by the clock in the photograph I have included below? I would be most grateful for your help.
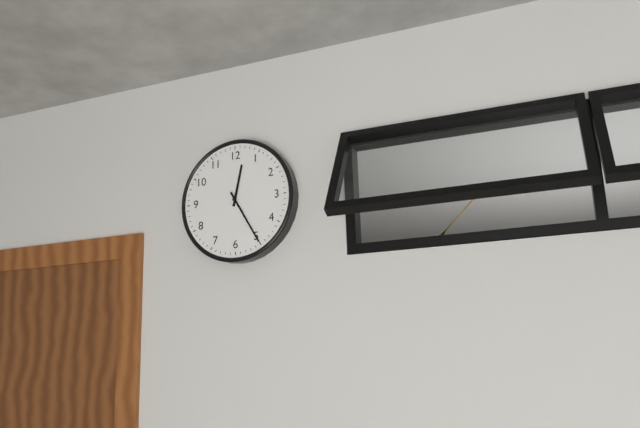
12:25
